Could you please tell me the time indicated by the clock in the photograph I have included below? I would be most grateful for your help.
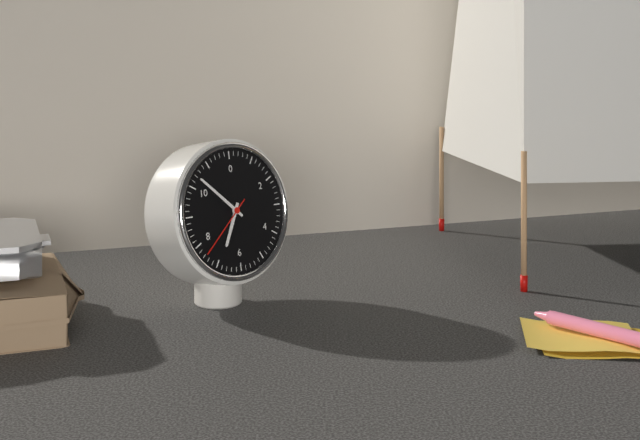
6:52:38
